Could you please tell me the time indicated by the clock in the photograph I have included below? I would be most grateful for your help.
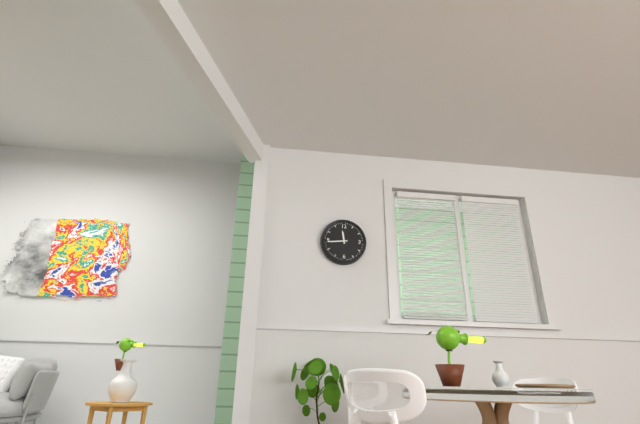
11:44
